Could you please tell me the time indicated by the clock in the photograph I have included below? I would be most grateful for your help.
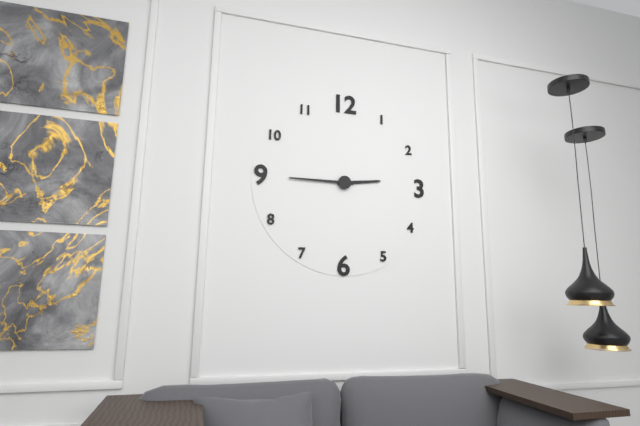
2:45
